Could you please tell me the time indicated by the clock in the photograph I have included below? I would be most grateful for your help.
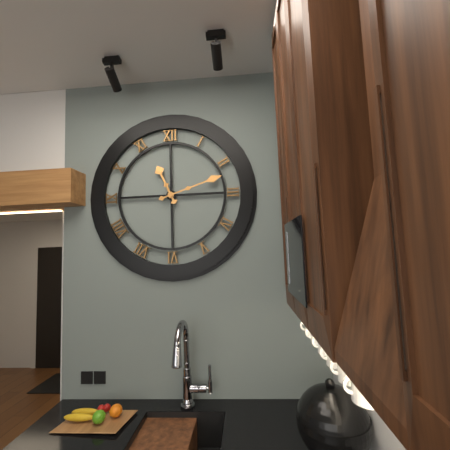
11:12
